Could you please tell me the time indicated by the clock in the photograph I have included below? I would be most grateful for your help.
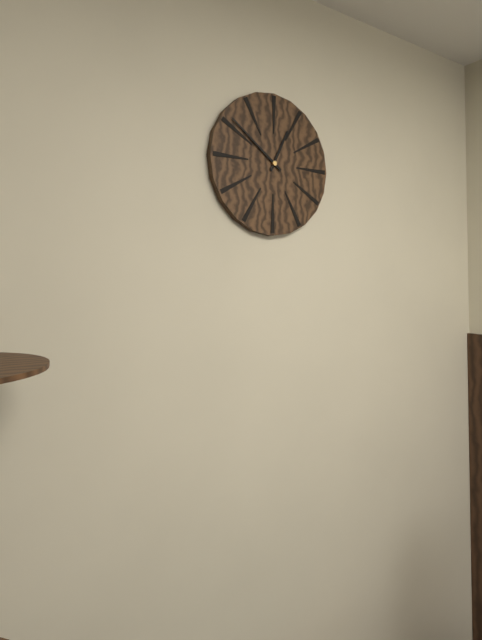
12:51
